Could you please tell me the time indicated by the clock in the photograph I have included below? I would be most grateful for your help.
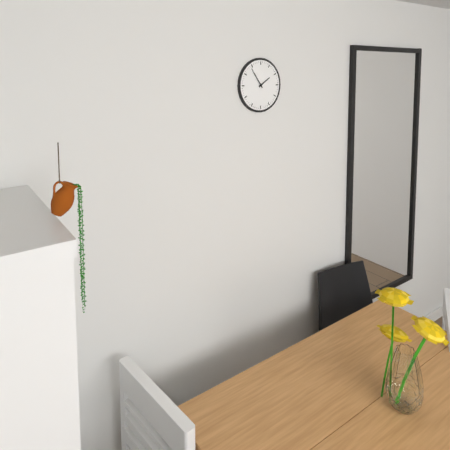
1:54
